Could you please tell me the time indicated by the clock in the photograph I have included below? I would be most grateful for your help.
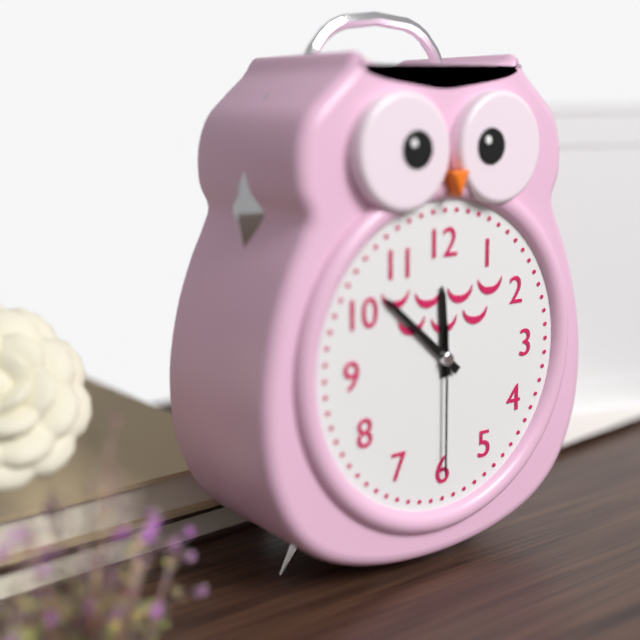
11:52:30
